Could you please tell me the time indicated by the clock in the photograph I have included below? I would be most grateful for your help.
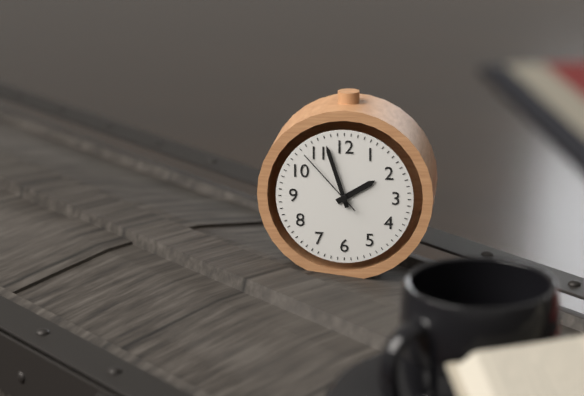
1:57:53
